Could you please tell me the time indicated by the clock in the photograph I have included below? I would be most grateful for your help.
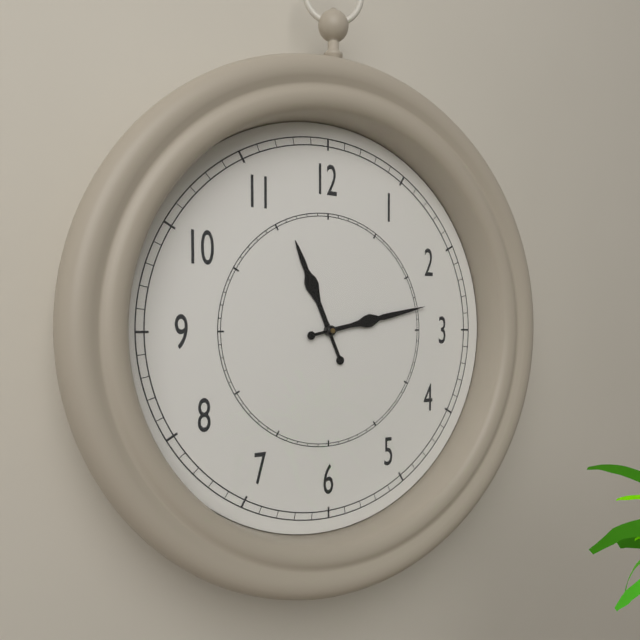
11:13
